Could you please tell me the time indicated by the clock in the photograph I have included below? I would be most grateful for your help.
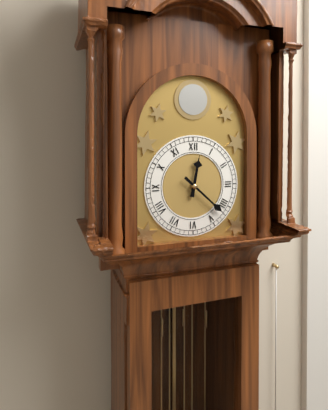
12:22
